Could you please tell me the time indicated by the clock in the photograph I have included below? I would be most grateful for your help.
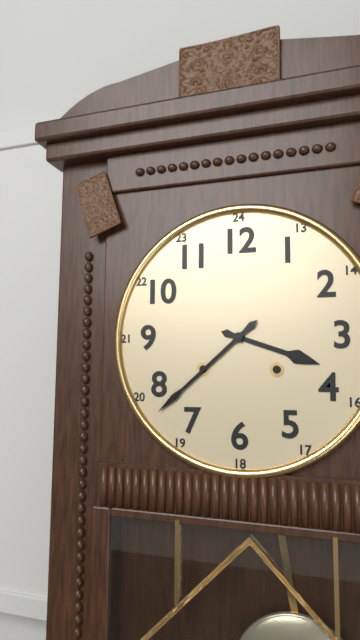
3:38
